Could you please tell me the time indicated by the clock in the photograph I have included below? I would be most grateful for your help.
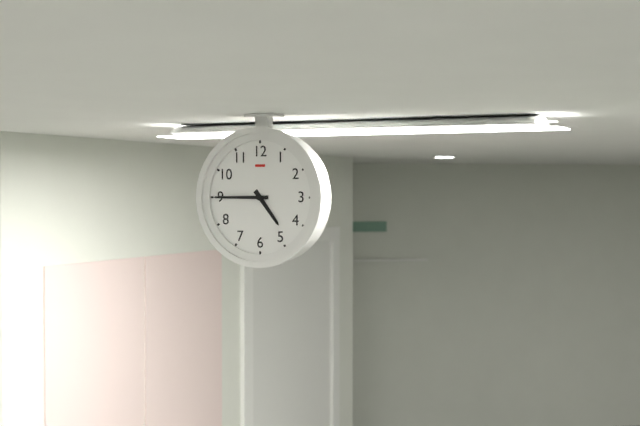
4:45
